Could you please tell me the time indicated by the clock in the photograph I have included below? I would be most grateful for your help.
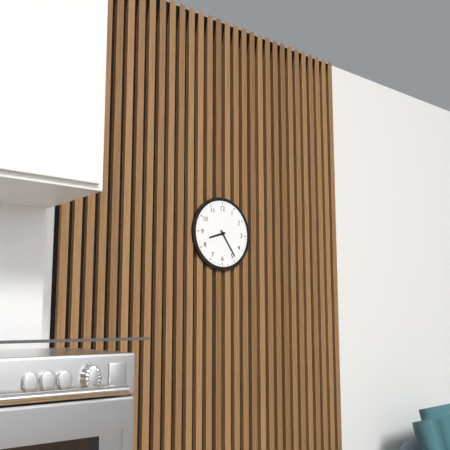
8:24
